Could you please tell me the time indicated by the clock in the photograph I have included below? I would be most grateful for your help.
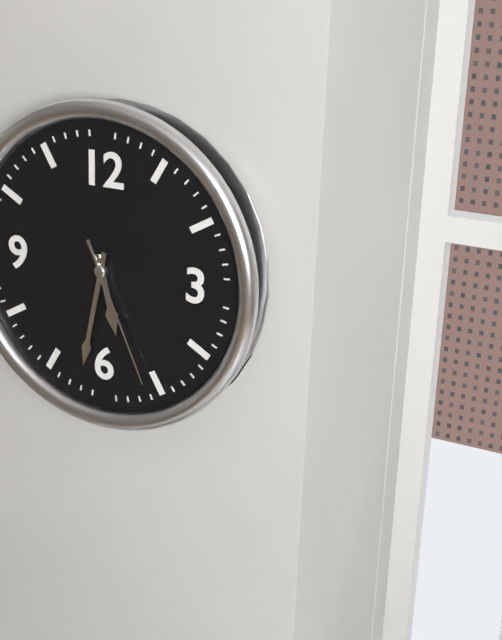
5:32:26
